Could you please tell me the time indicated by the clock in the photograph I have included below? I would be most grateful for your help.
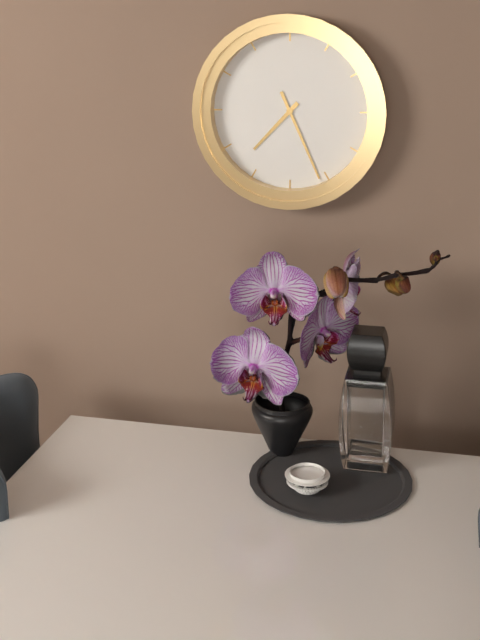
7:26
